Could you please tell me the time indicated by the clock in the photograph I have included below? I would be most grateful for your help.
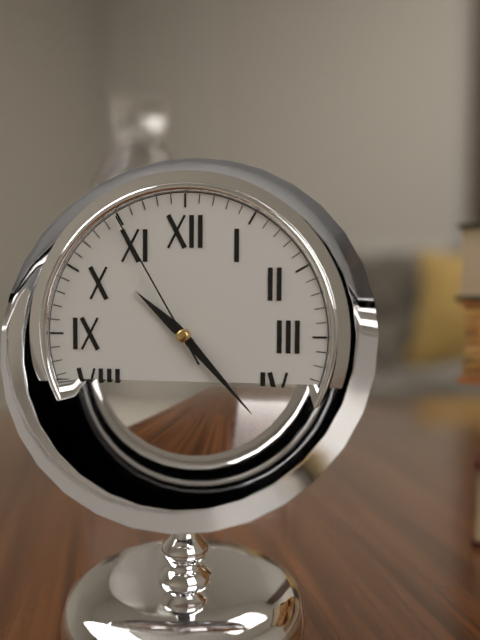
10:23:55
